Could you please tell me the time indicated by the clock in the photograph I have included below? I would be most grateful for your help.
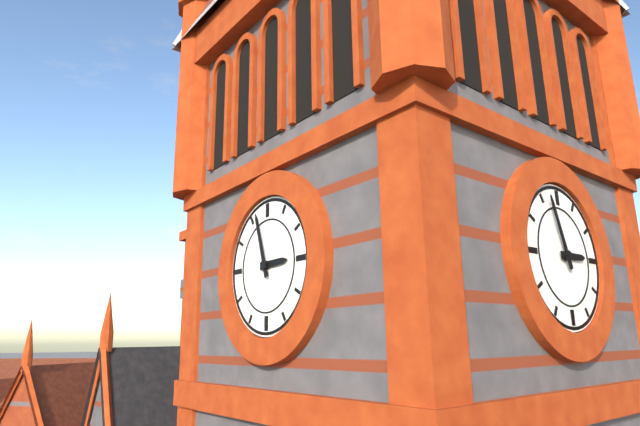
2:57
